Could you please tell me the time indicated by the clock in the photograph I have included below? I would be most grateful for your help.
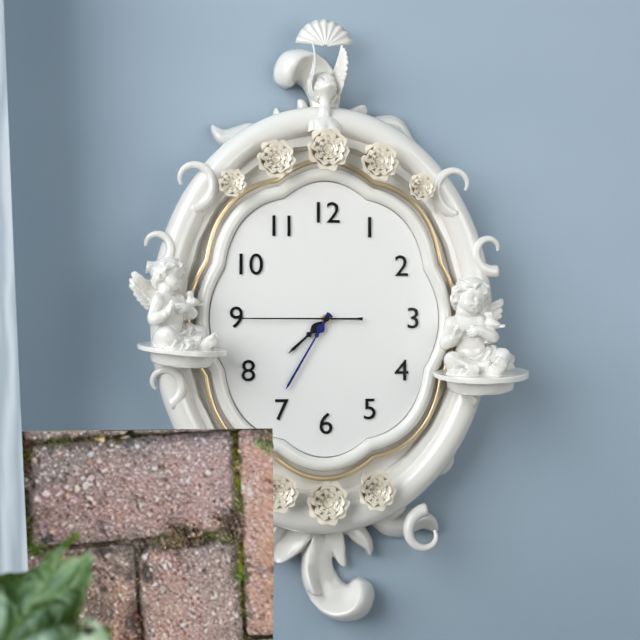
7:35:45
